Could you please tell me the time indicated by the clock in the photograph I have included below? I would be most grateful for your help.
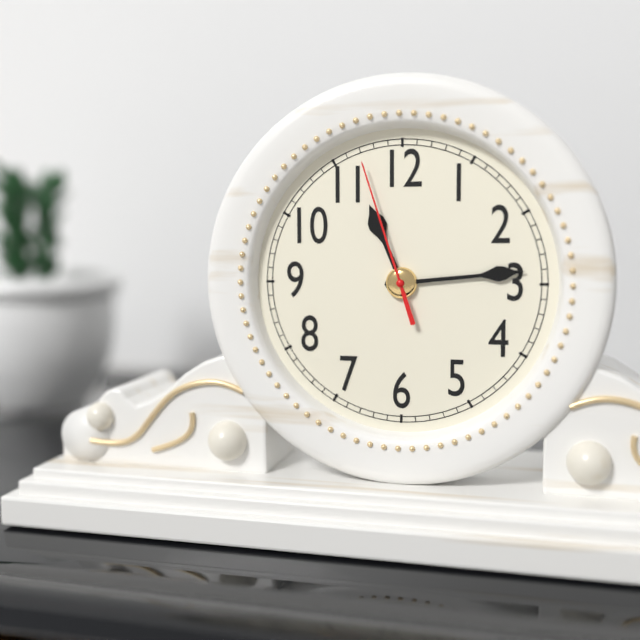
11:14:57
